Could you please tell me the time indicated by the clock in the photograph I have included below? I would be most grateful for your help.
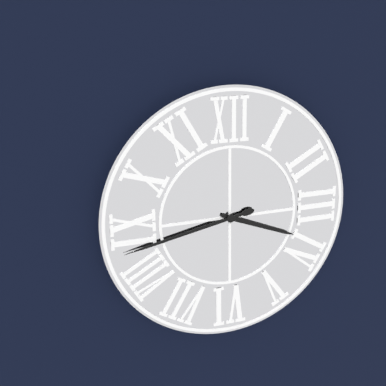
3:43
